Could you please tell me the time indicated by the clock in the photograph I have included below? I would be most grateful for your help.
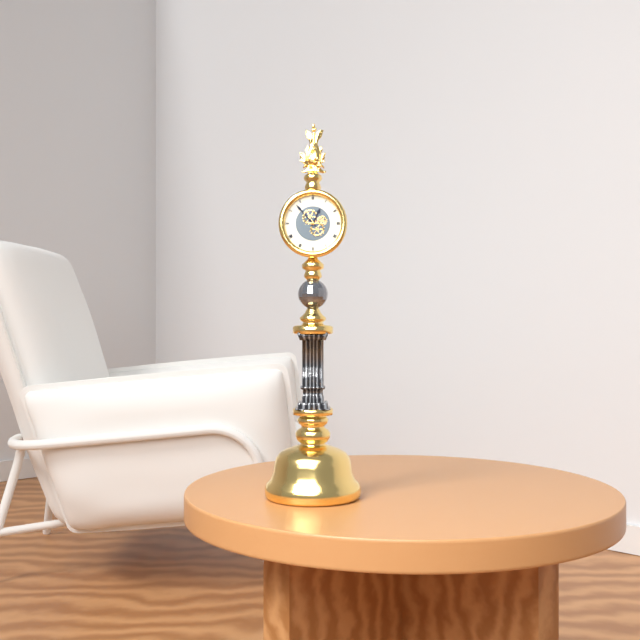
12:53
